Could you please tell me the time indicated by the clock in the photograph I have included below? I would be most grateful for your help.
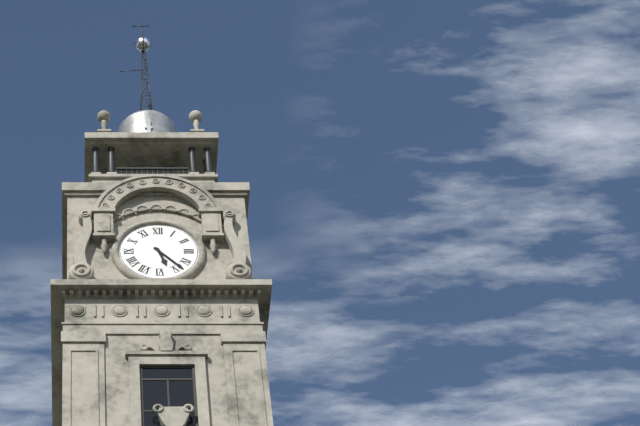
5:23
